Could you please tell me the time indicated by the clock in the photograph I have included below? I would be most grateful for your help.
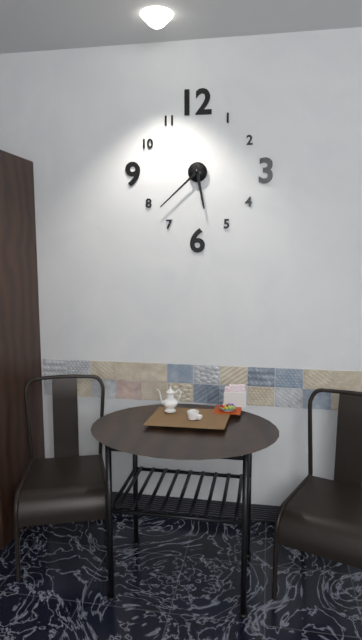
5:38
